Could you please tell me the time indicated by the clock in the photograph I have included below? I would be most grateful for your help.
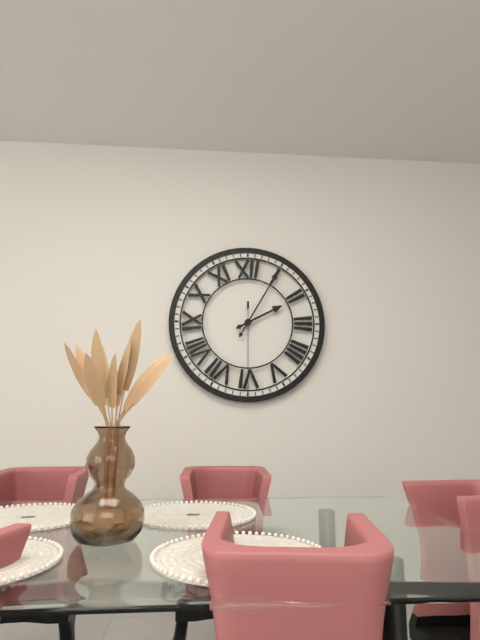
2:05:30
